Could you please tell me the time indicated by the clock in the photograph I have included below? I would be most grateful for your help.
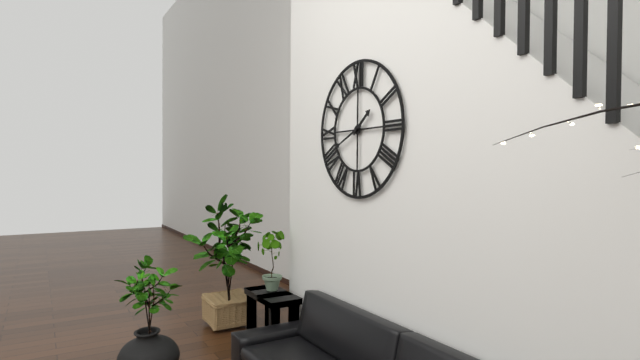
1:41
